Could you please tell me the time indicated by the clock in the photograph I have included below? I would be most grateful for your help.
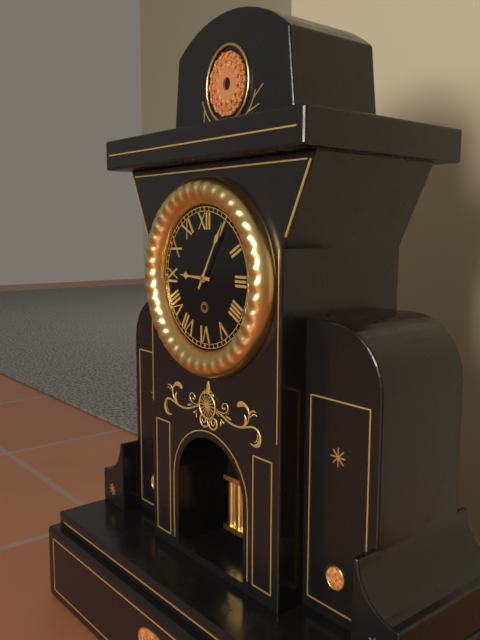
9:05
